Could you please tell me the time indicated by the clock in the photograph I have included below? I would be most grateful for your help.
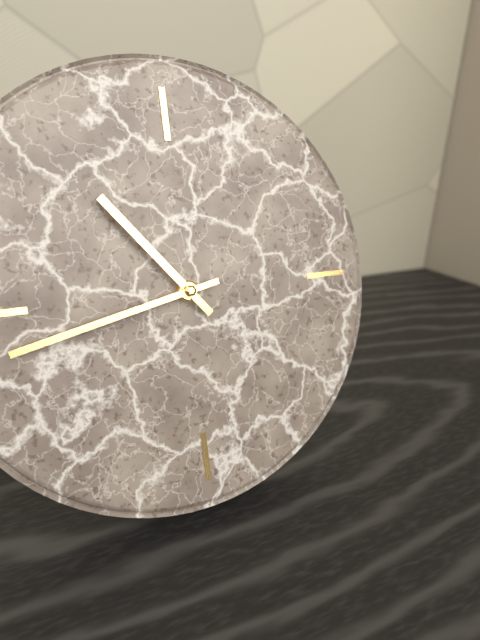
10:43
